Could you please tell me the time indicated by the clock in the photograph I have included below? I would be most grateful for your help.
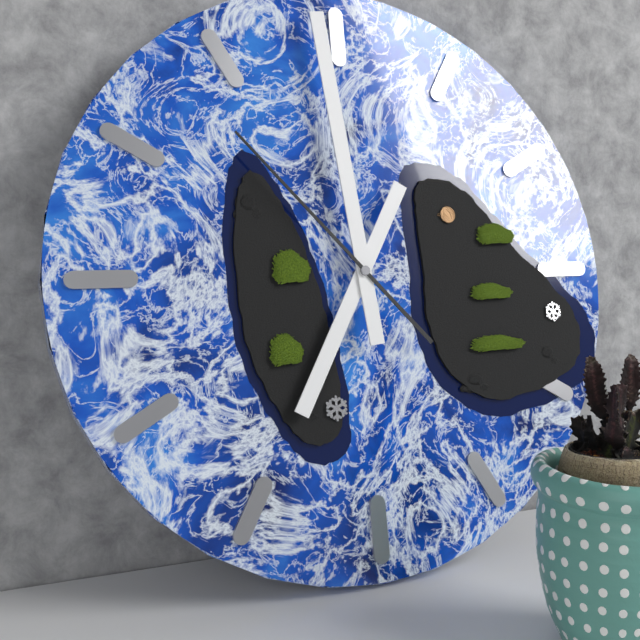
6:59:53
